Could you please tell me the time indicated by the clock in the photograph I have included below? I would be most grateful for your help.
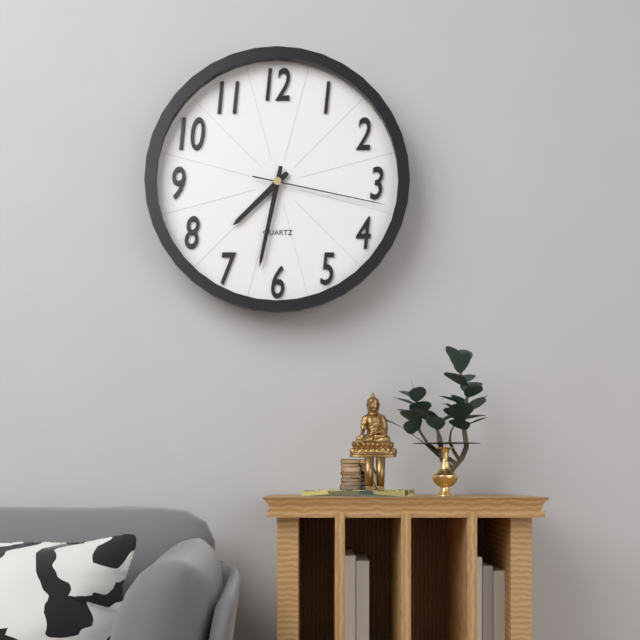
7:32:17
